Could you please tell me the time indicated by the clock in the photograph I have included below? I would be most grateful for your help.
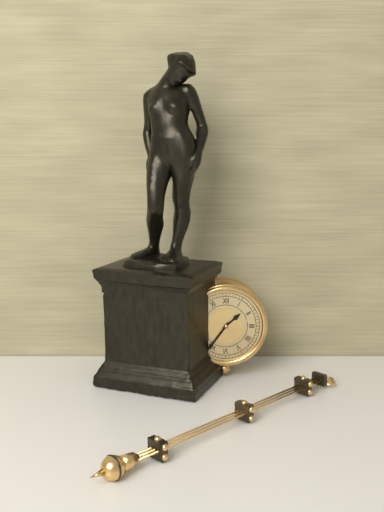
1:36
